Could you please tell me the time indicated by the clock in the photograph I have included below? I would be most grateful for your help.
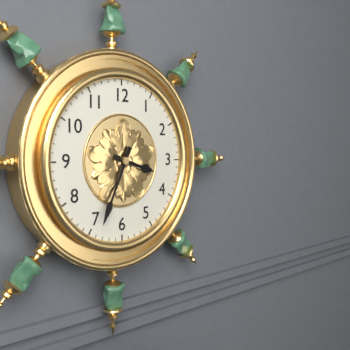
3:34
